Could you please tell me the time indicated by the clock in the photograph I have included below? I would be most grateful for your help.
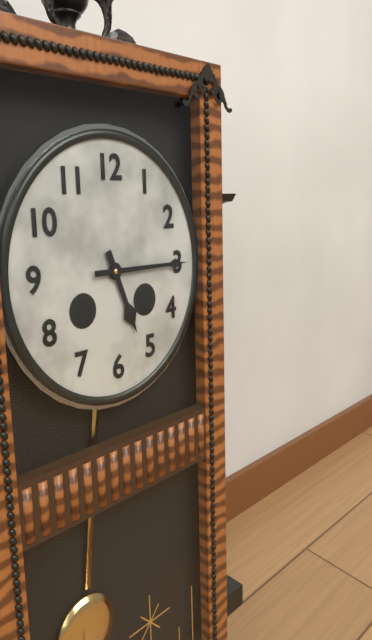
5:15
